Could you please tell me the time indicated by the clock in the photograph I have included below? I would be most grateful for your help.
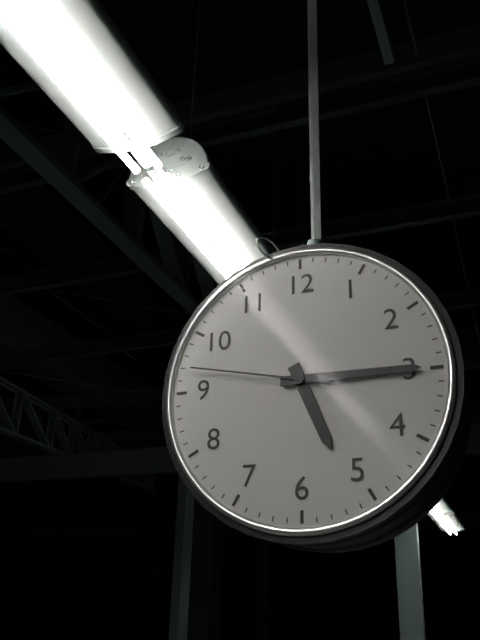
5:15:47
